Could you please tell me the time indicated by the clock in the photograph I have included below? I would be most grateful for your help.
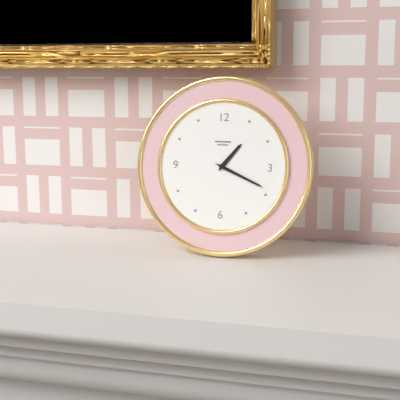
1:19
